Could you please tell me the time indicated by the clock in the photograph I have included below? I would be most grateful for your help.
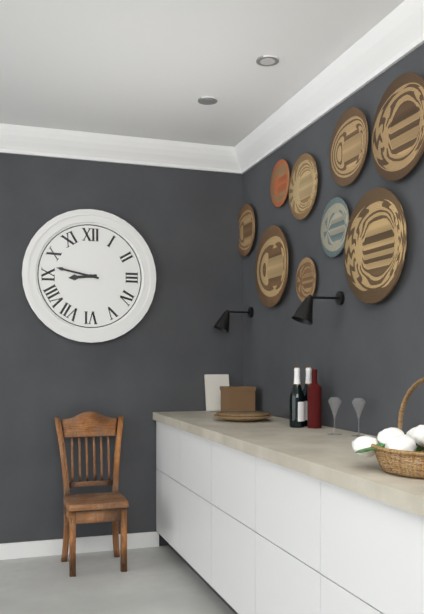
8:47
